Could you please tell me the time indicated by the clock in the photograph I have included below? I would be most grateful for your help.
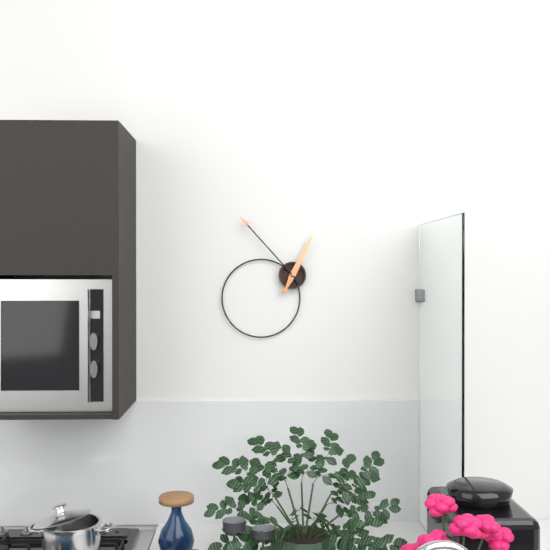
12:53
